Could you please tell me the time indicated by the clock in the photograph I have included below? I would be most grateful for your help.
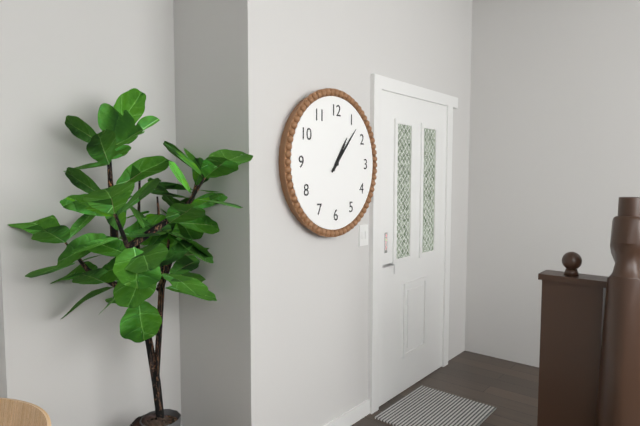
1:07
